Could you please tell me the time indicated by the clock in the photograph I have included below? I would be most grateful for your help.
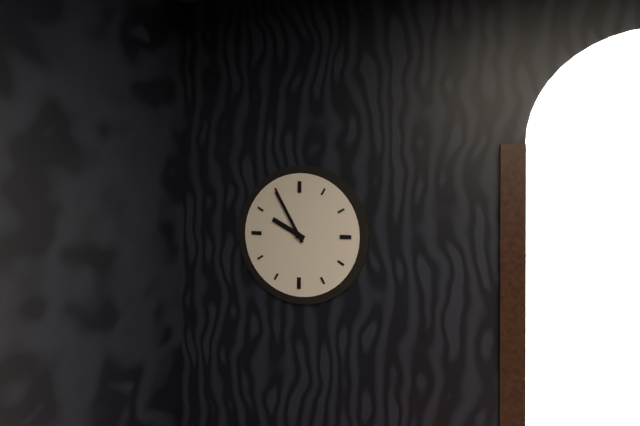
9:55
